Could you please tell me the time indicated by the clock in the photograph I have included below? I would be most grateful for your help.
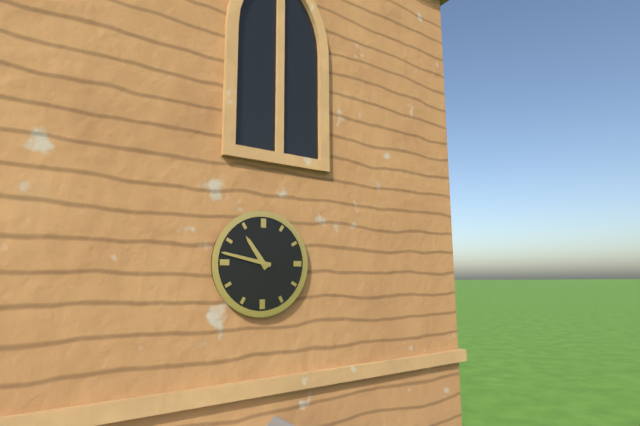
10:47
